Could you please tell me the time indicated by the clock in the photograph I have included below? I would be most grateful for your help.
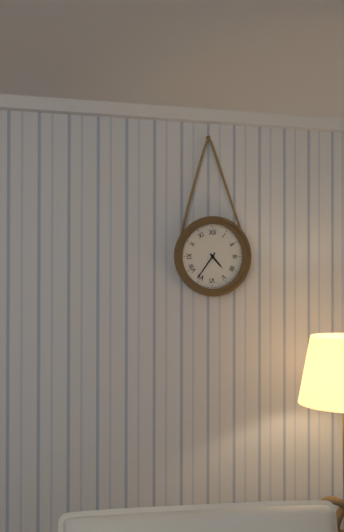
4:36
